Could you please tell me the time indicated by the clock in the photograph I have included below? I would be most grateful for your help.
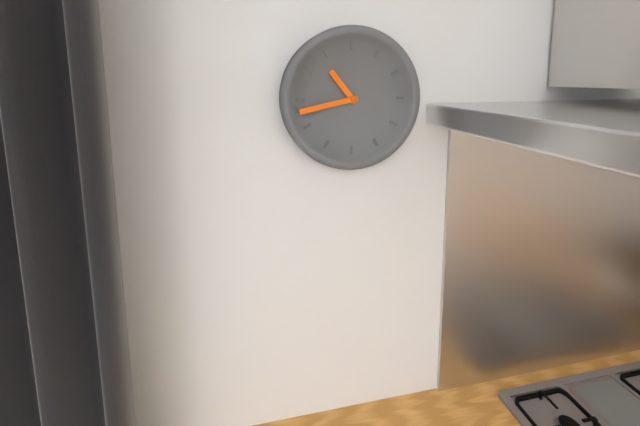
10:43
